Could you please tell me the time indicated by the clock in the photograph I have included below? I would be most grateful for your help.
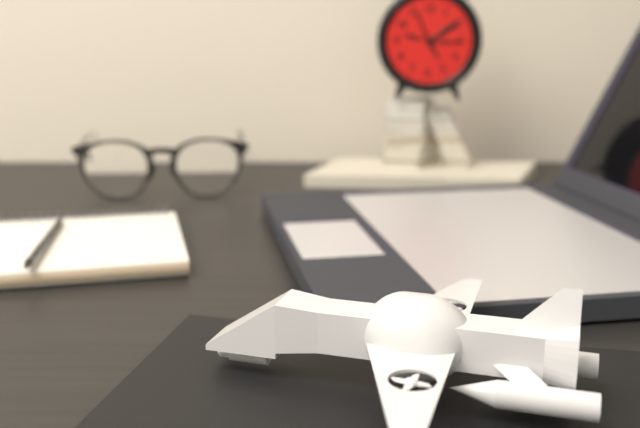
4:56
